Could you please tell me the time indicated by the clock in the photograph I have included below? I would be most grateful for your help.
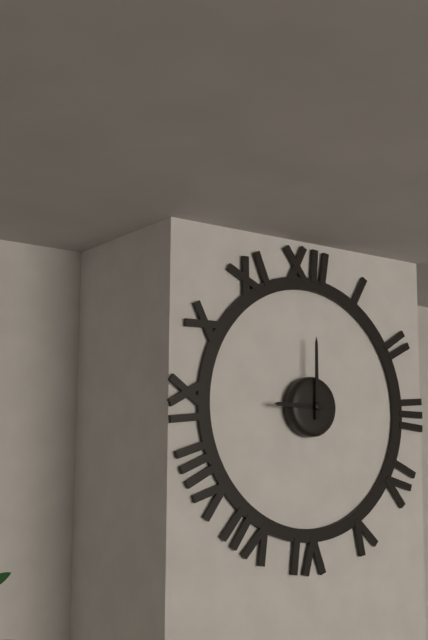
9:00
